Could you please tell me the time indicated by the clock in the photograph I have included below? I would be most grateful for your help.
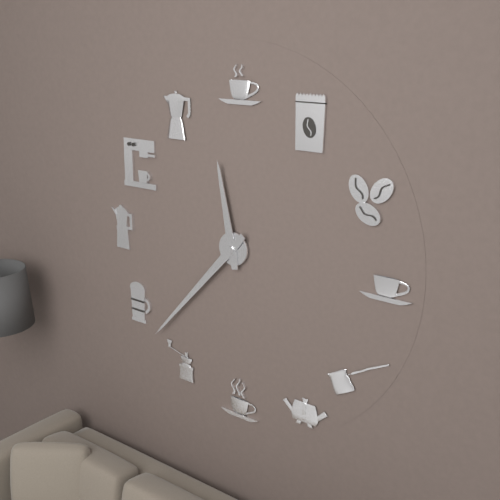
11:37
